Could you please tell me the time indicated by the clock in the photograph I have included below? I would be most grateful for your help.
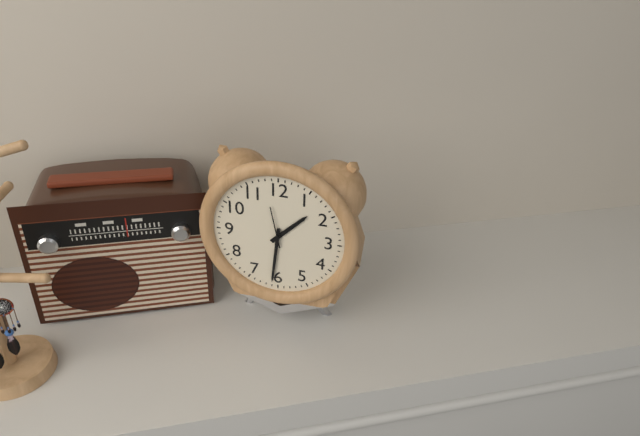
1:31
